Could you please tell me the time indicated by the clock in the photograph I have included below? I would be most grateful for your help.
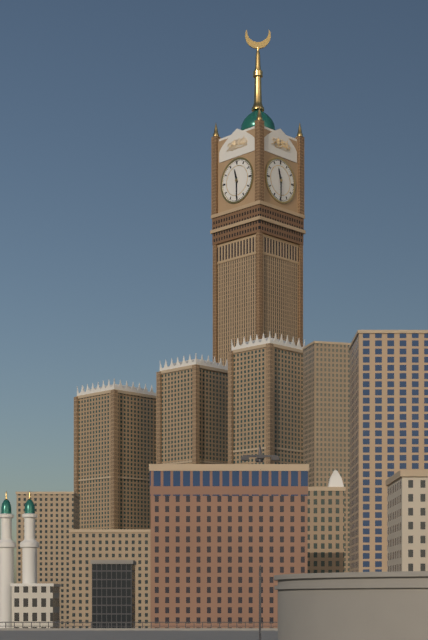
11:30
